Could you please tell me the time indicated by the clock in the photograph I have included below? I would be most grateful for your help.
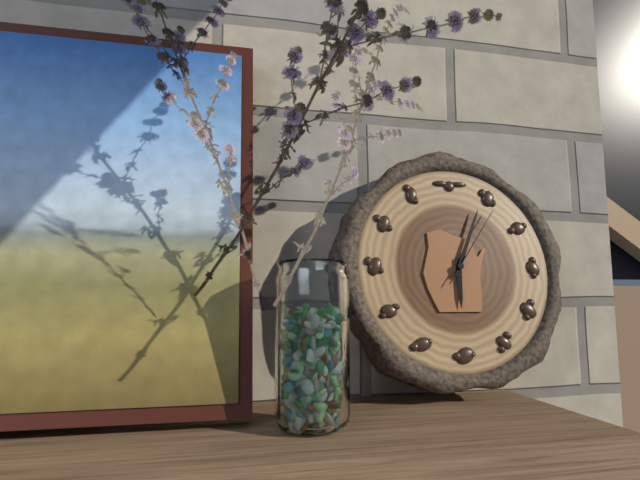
6:04:06
